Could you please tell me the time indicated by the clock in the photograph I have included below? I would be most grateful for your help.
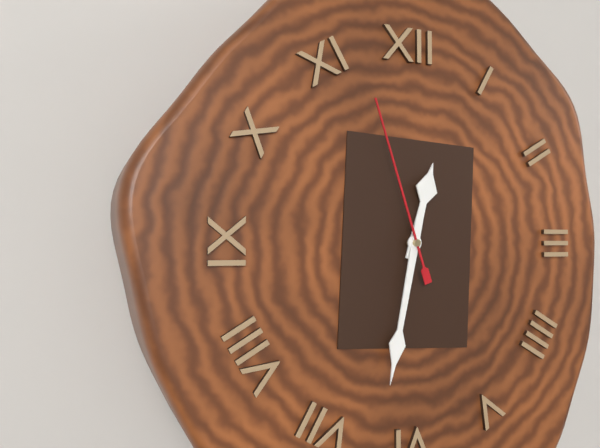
12:32:57
